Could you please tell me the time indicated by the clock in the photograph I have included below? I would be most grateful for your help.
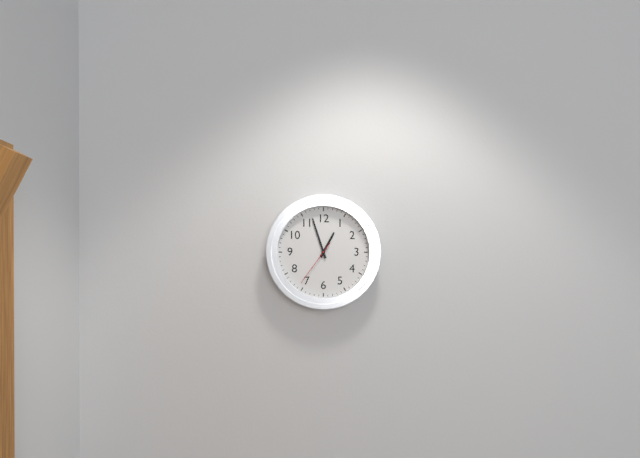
12:57
